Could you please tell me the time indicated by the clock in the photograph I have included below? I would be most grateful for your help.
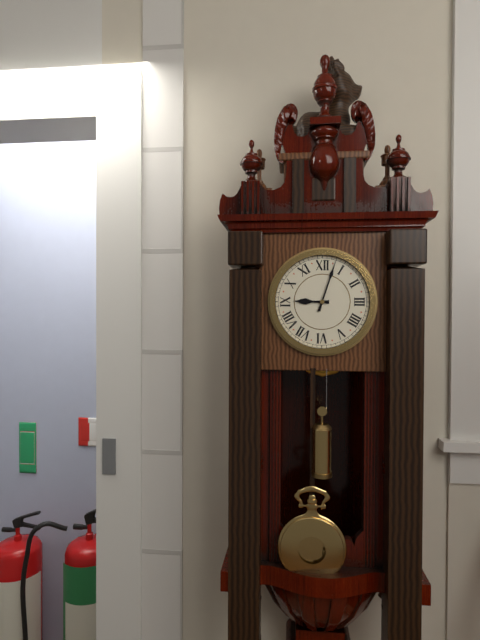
9:03
